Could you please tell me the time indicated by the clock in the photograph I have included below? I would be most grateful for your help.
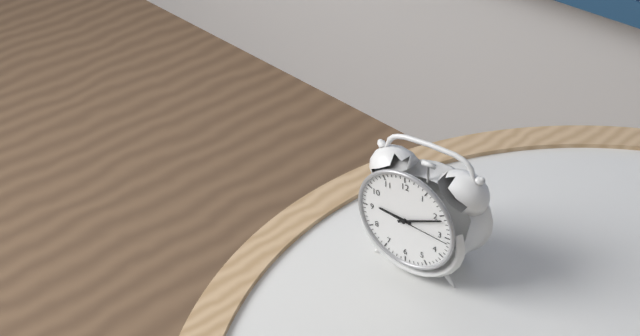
9:11:16
